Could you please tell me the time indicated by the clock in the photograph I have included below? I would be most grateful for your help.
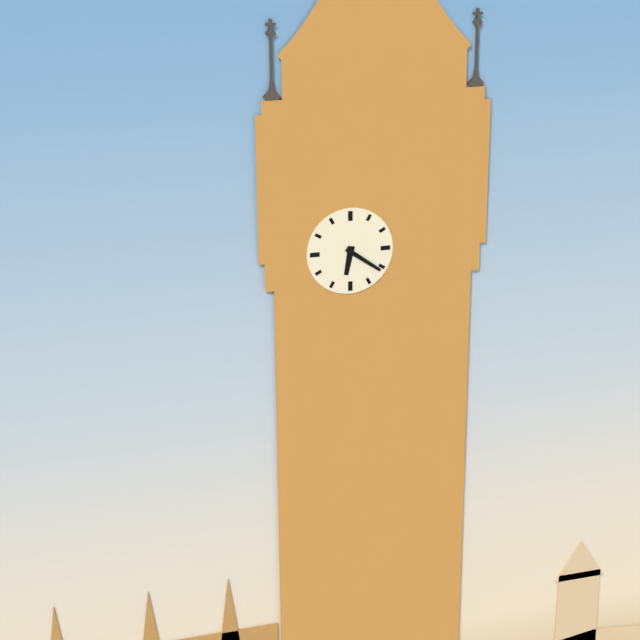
6:21
